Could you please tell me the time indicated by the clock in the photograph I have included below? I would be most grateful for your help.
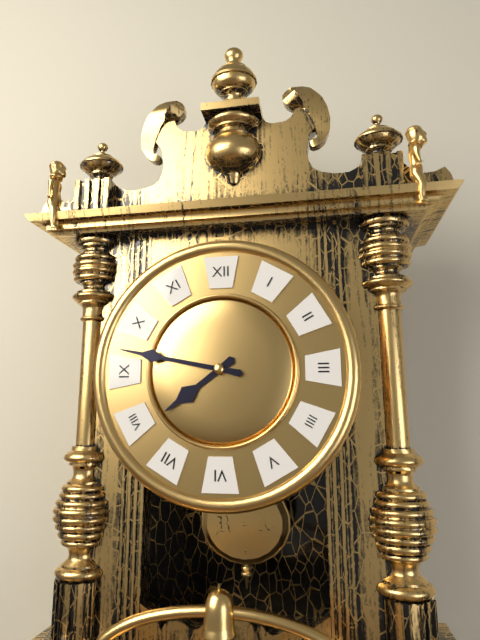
7:47
